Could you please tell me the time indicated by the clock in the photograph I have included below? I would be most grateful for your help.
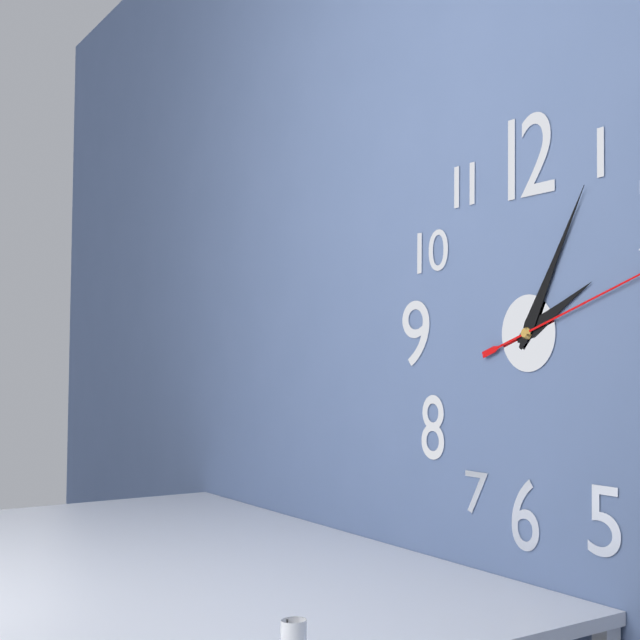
2:05
